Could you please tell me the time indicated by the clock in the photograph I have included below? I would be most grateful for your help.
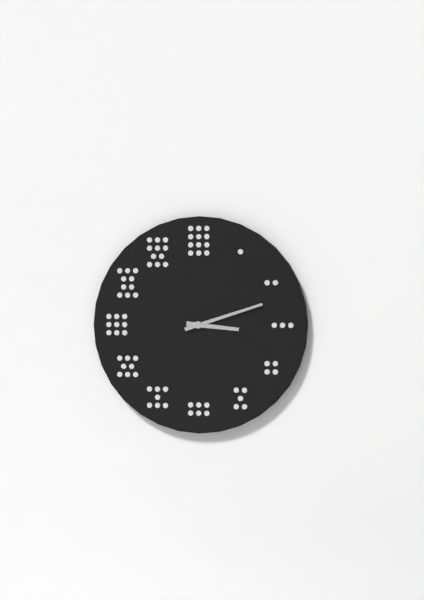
3:12
